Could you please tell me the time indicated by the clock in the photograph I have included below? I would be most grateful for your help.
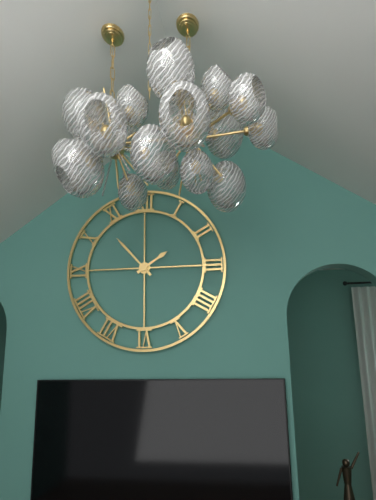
1:53
